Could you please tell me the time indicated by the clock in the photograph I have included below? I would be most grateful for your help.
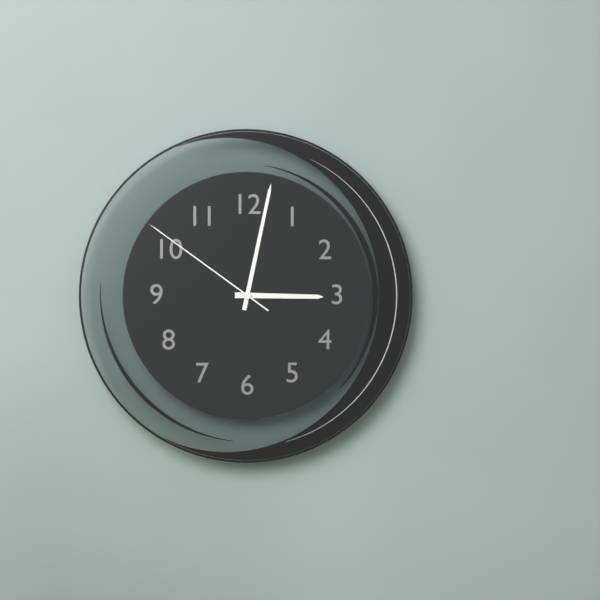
3:02:51
